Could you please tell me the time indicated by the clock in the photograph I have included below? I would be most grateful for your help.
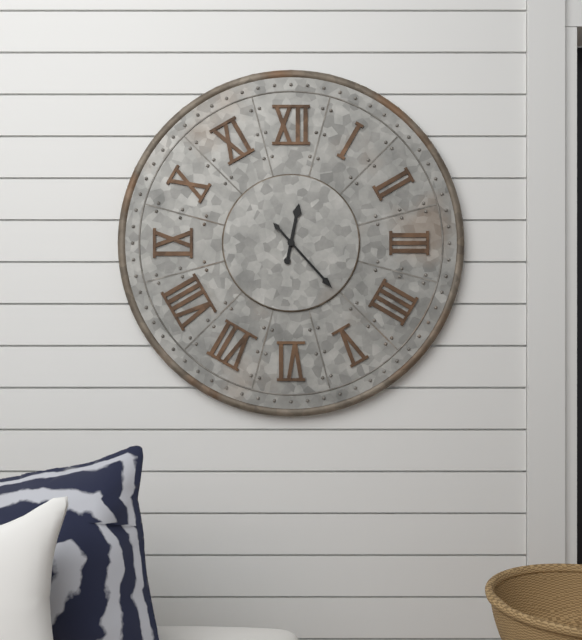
12:23
